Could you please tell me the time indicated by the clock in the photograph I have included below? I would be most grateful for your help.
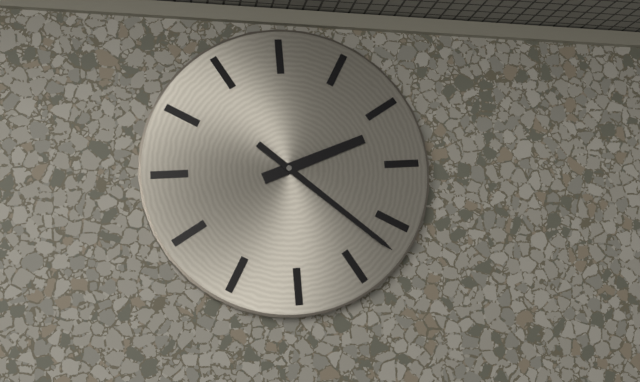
2:22
